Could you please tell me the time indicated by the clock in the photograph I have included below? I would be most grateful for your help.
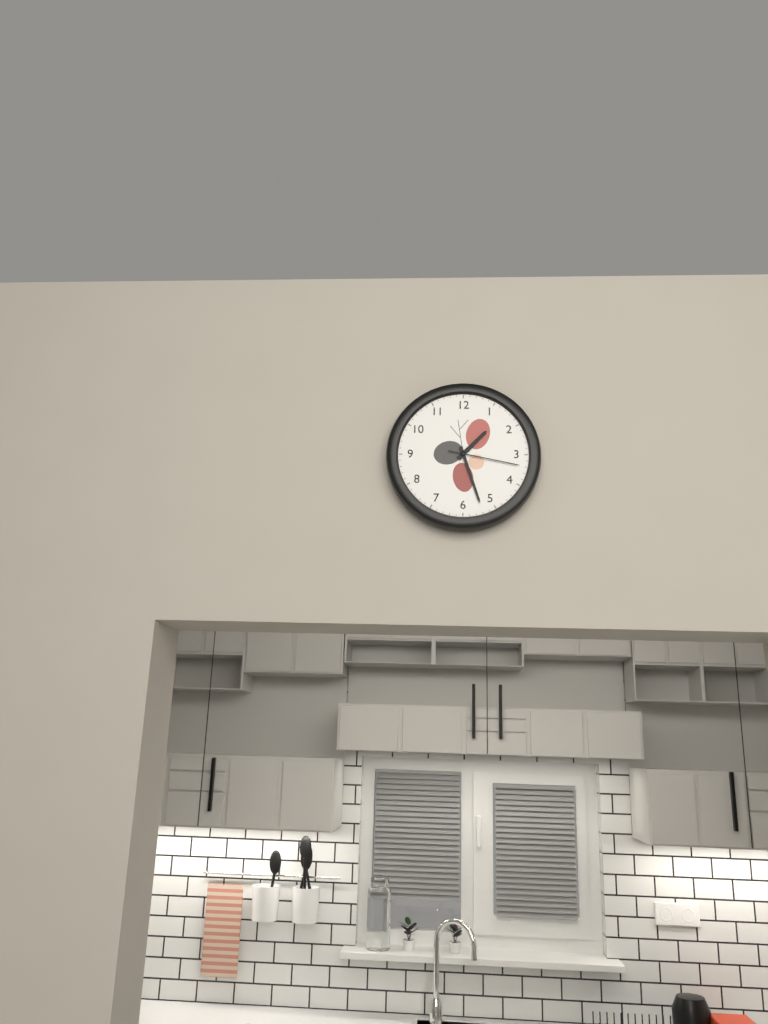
1:27:17
